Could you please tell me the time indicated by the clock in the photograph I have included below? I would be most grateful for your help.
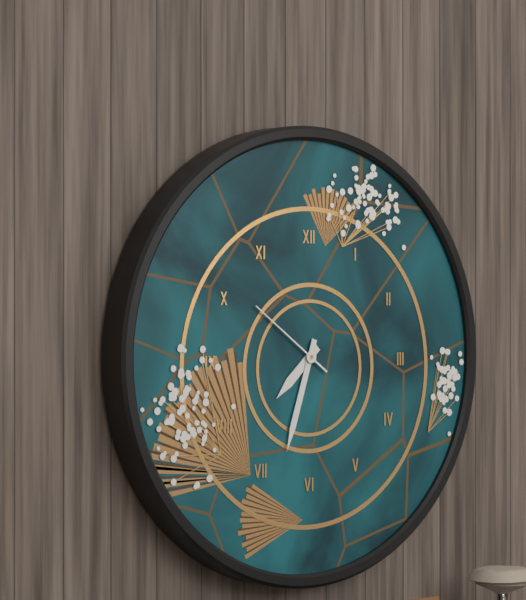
7:33:51
